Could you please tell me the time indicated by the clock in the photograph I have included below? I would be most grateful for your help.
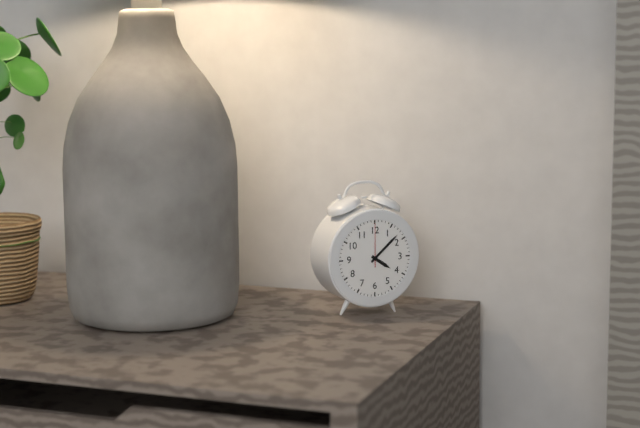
4:08
